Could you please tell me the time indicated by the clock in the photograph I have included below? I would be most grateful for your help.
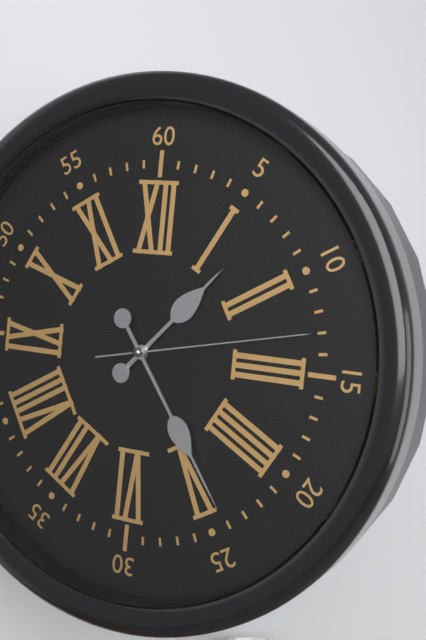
1:24:13
